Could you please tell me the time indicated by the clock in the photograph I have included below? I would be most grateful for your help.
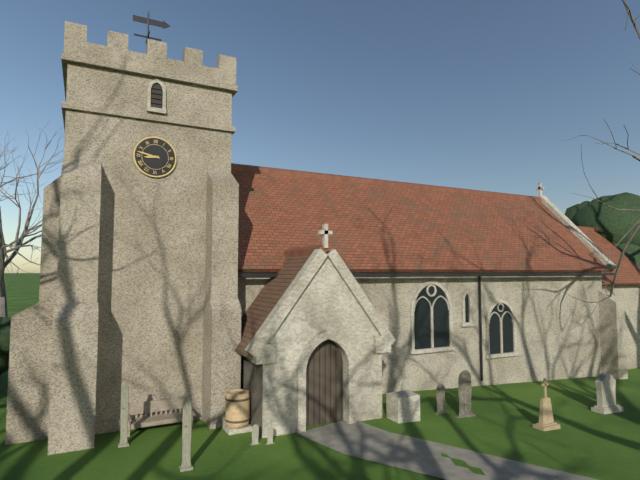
8:47
